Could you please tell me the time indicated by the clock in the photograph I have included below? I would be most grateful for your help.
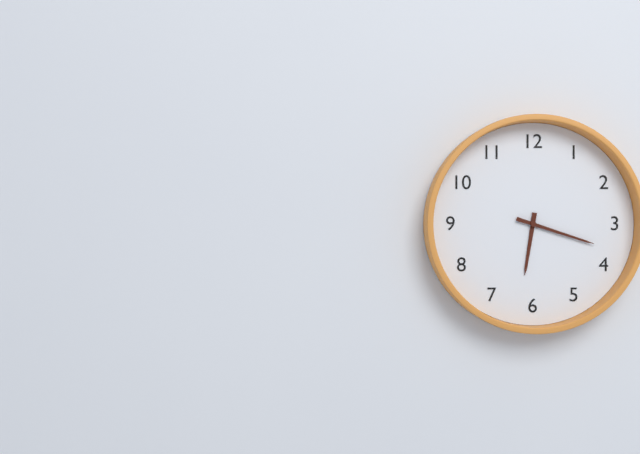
6:18
